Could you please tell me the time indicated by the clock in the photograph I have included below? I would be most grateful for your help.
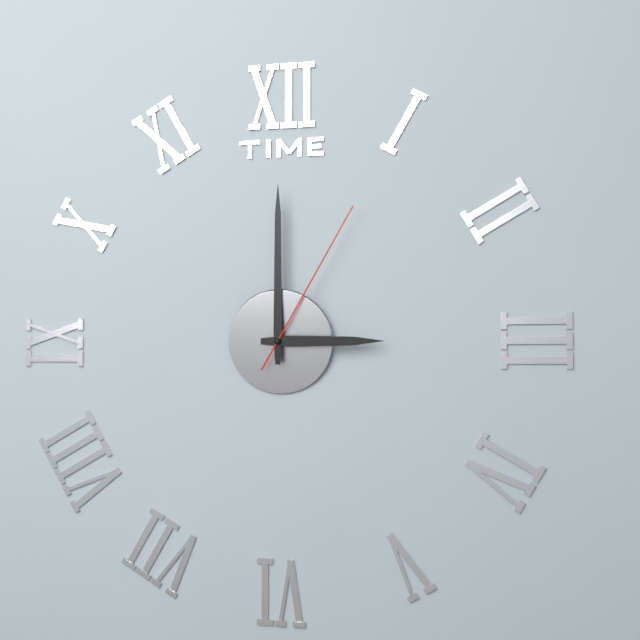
3:00:05
